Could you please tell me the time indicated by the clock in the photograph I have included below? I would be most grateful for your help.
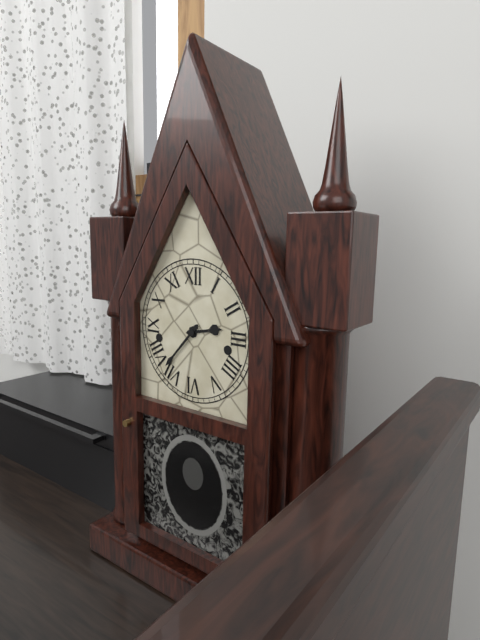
2:37
